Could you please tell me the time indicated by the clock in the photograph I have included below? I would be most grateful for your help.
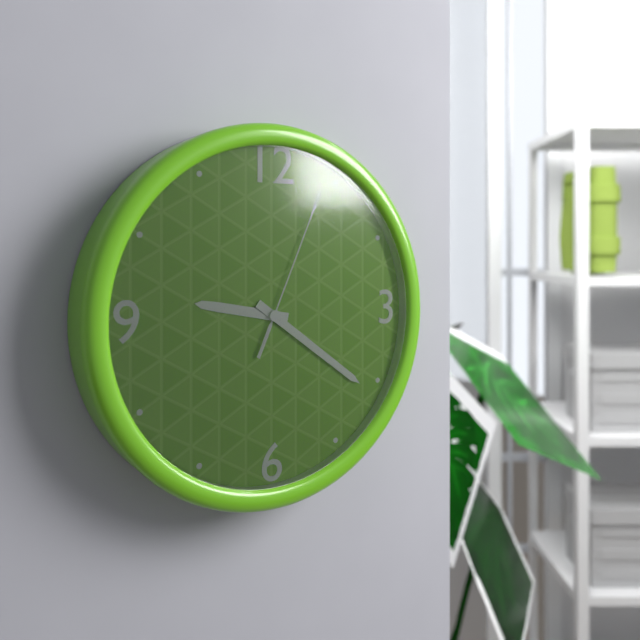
9:21:04
